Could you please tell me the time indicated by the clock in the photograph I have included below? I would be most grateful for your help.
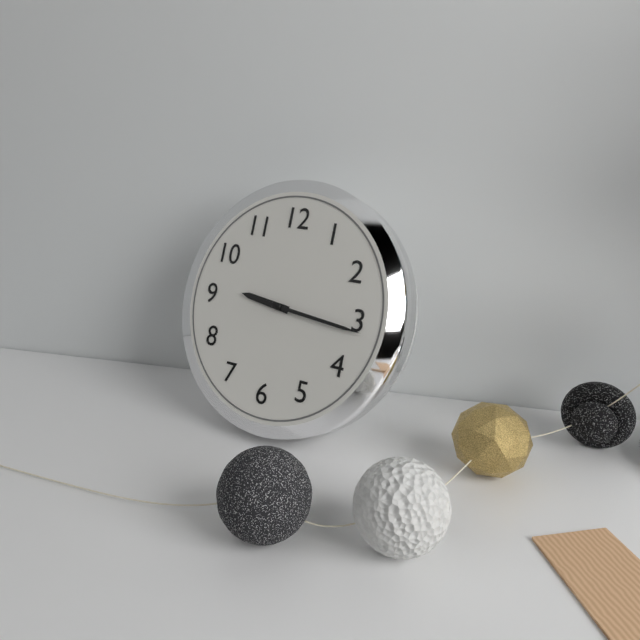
9:16
